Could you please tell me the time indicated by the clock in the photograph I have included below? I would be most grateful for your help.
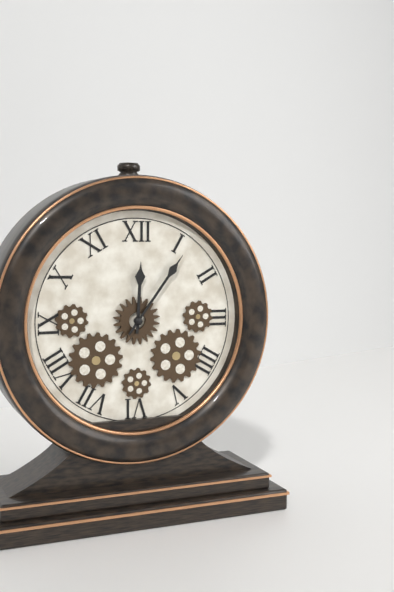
12:06
